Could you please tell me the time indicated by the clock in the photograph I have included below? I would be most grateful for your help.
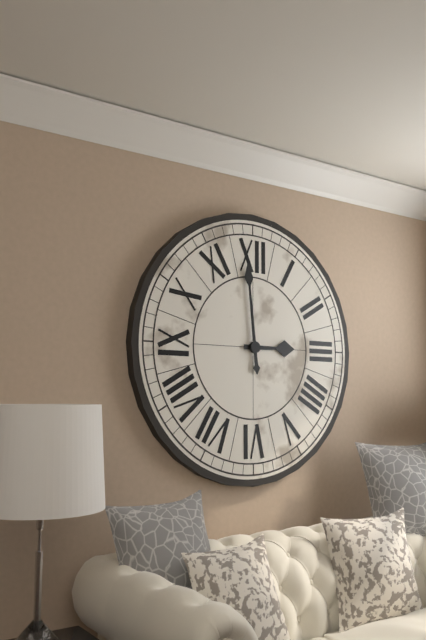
2:59
